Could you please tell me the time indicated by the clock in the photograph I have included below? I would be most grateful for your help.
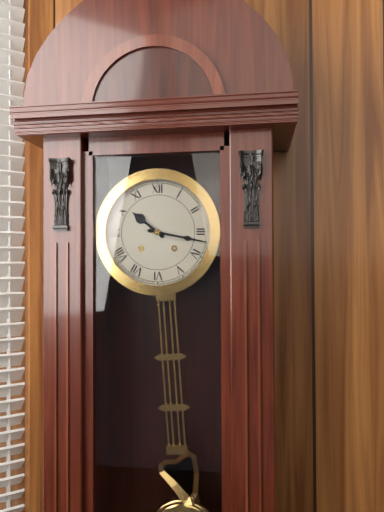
10:17
